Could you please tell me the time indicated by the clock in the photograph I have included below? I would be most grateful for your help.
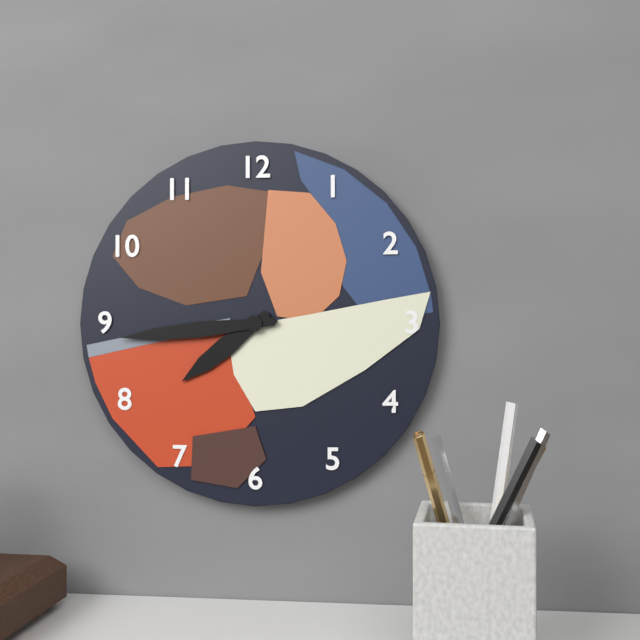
7:44
